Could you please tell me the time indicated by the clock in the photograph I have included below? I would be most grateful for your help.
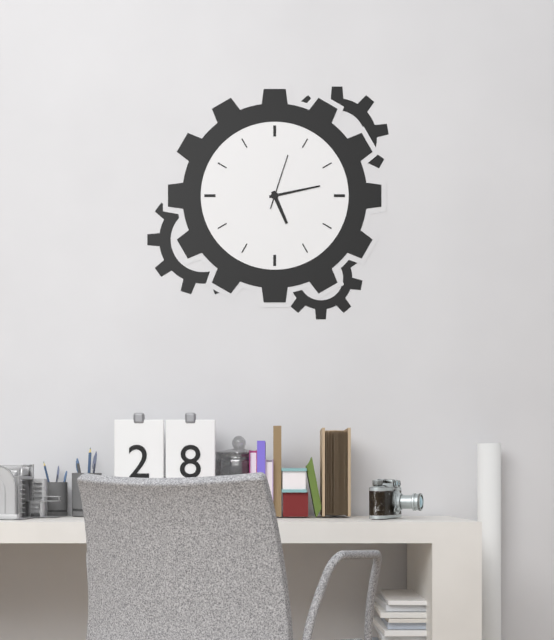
5:13:03
